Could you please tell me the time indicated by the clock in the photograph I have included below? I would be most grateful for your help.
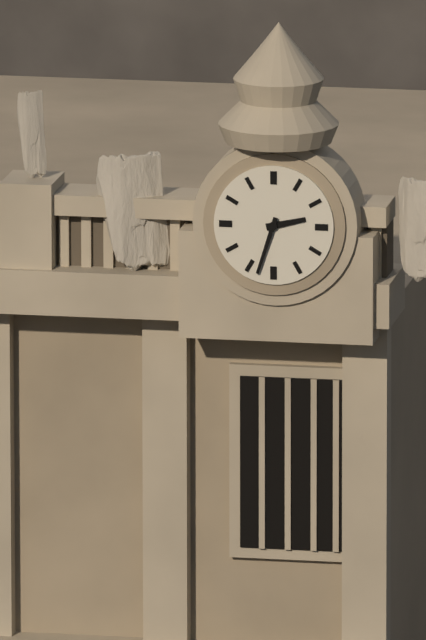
2:33
